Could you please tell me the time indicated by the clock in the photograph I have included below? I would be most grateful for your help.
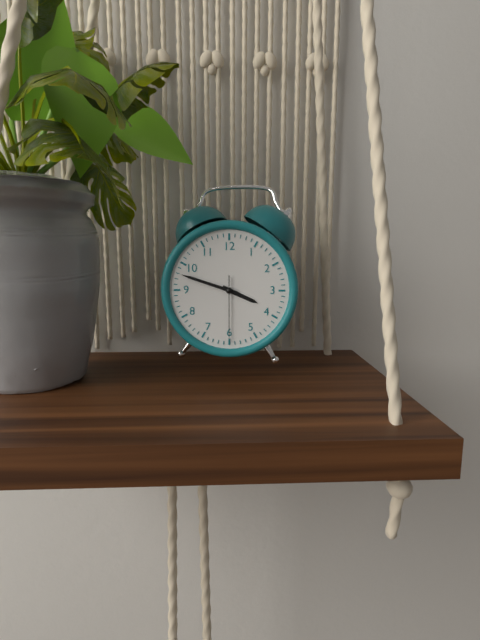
3:48:30
